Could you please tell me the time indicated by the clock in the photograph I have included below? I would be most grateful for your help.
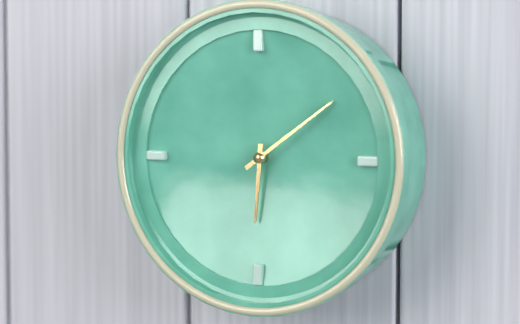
6:09
